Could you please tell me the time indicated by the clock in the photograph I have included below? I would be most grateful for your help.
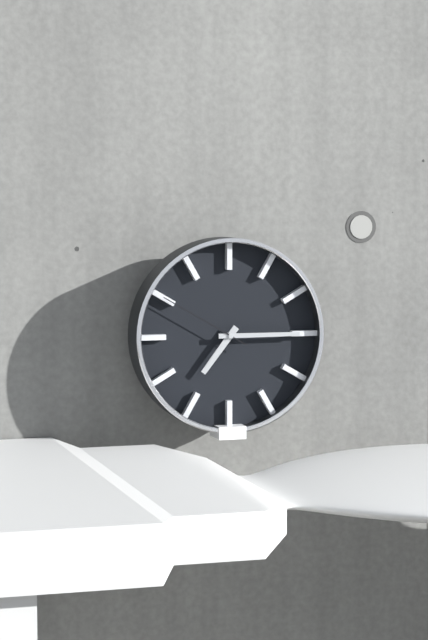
7:15:50
